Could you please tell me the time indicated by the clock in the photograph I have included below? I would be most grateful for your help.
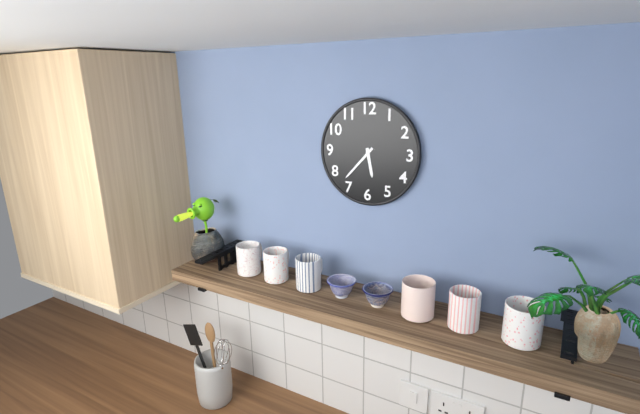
5:37
